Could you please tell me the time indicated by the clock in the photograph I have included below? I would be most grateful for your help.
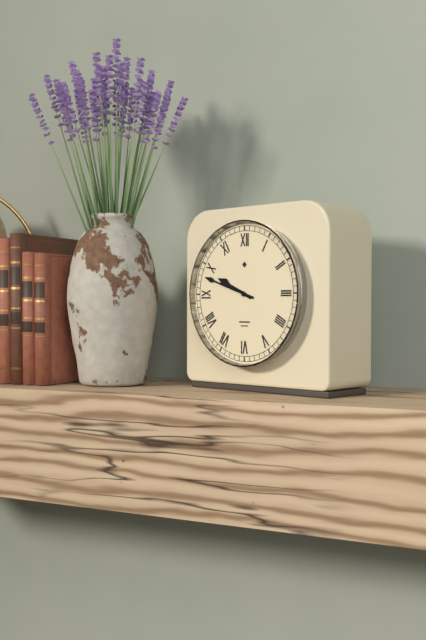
9:48
